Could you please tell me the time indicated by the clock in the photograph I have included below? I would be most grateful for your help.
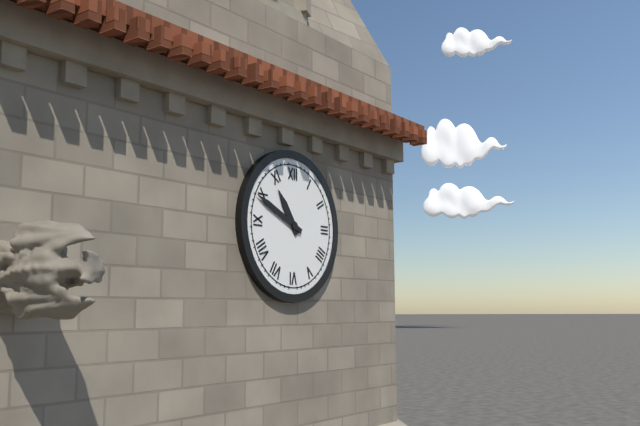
10:49
